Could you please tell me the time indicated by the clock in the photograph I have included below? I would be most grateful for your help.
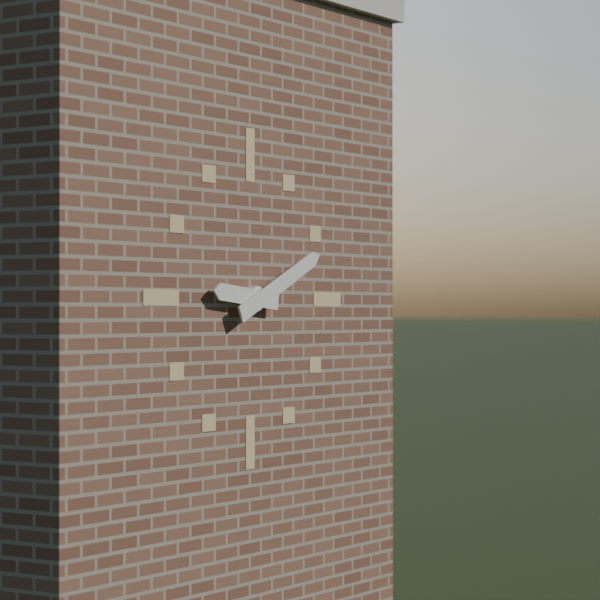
9:11
